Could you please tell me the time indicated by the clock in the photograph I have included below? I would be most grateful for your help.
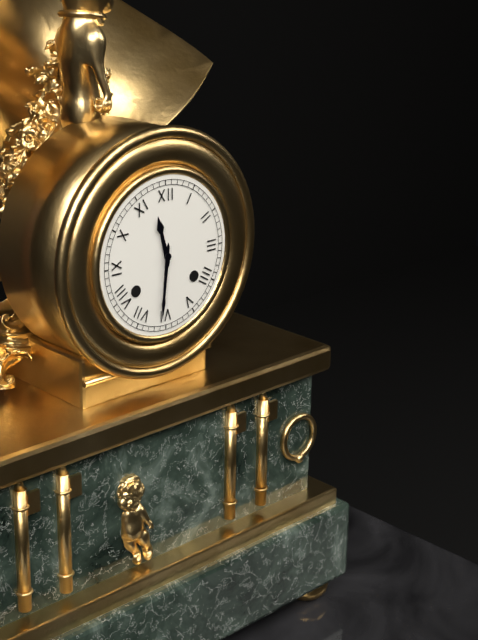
11:31
